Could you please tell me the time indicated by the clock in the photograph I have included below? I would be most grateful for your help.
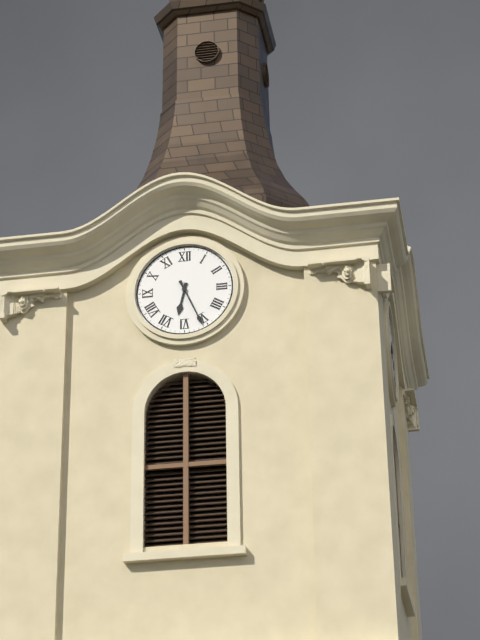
6:26
